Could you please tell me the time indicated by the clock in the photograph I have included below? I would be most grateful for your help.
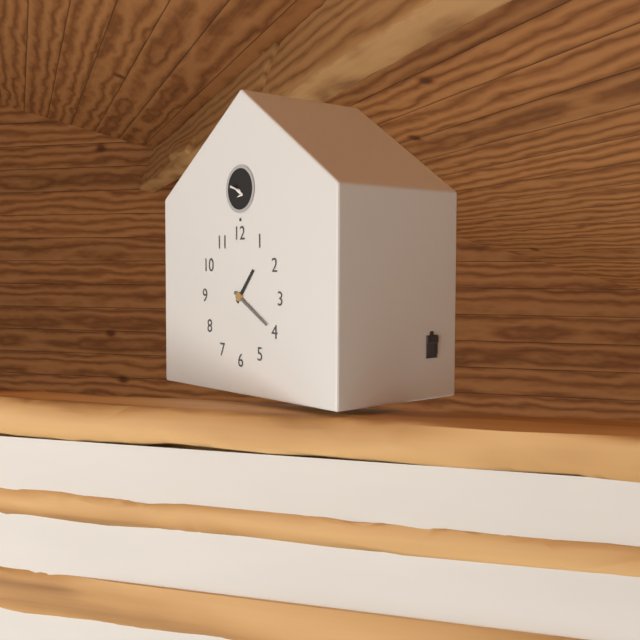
1:20
